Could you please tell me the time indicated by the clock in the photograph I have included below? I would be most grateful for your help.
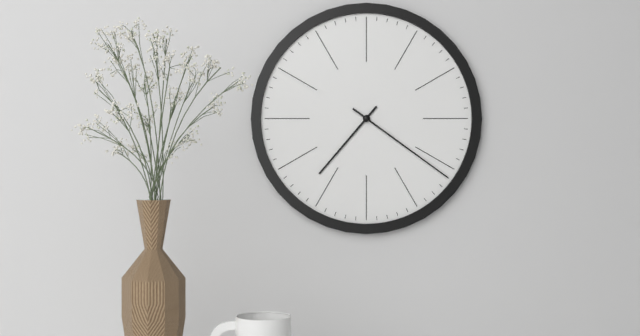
7:21
